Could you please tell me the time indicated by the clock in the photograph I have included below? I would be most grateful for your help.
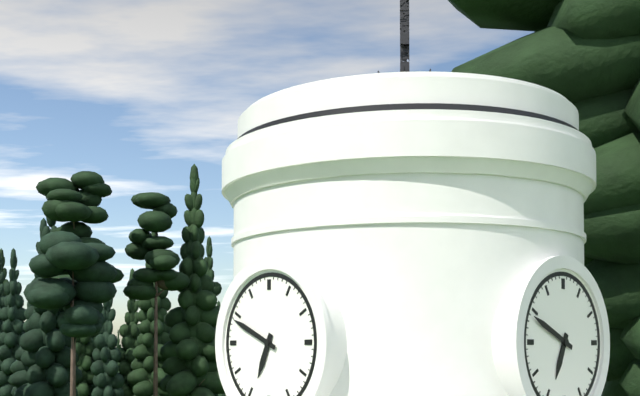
6:49
